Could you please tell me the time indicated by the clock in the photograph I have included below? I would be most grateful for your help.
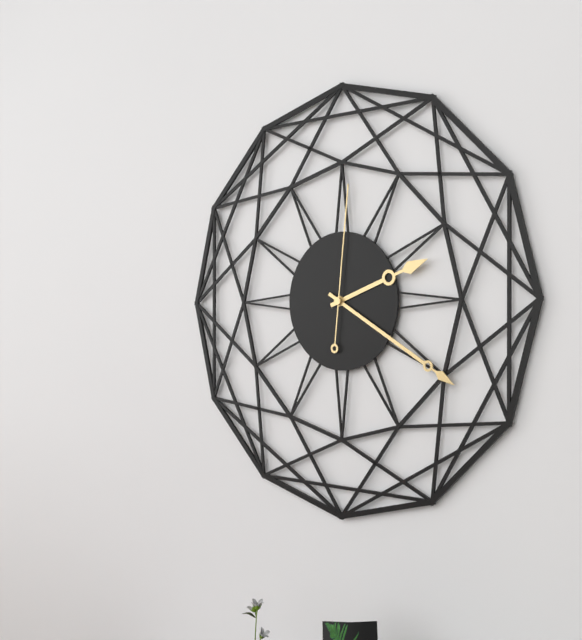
2:20:01
